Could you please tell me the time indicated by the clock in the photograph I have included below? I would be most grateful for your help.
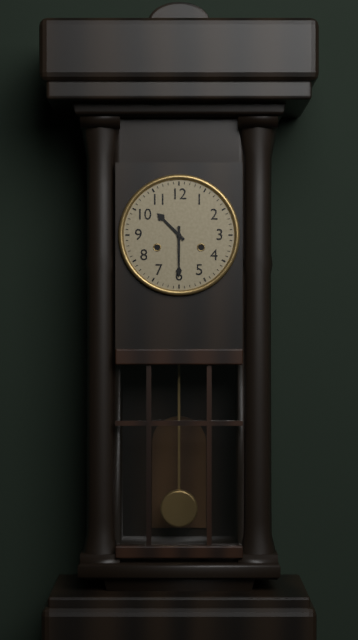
10:30
